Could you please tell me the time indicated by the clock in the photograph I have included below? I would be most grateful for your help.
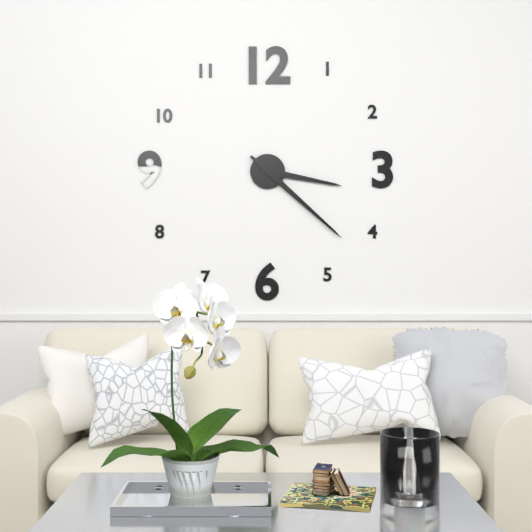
3:22
